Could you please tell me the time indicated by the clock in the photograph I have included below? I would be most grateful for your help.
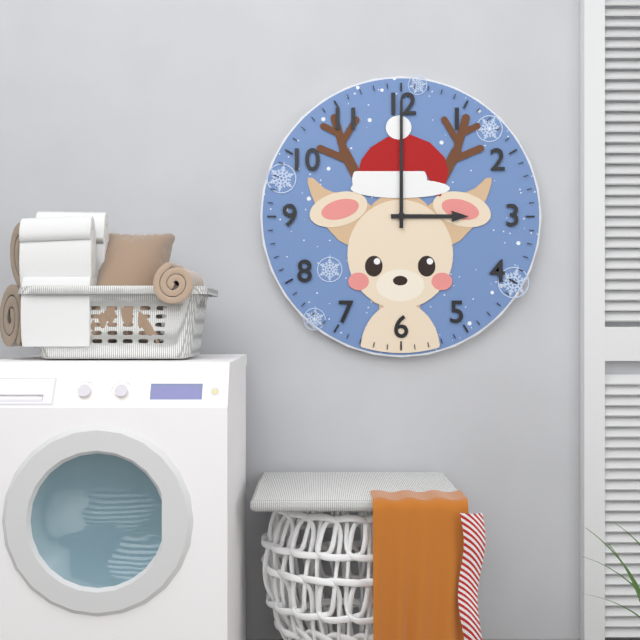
3:00
